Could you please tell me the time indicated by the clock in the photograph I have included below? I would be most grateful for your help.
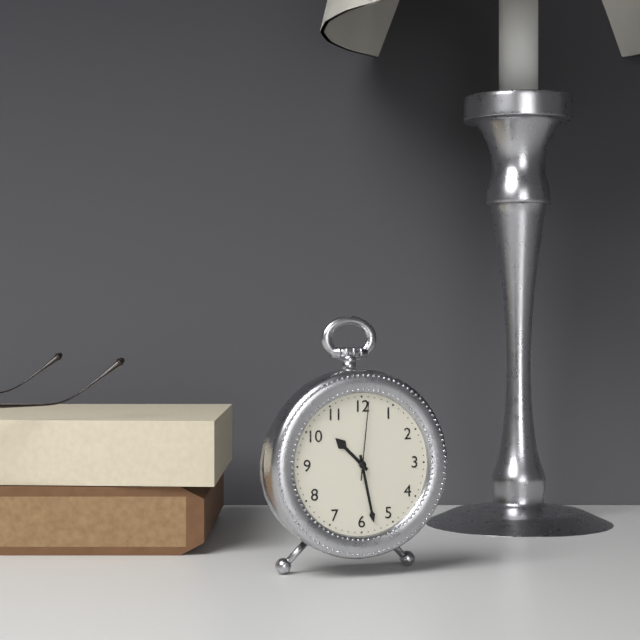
10:28:01
